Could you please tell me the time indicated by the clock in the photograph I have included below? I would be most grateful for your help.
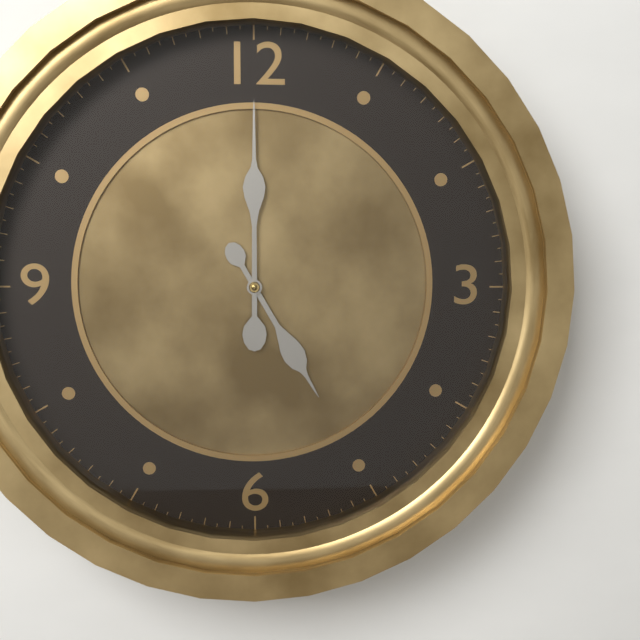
5:00
